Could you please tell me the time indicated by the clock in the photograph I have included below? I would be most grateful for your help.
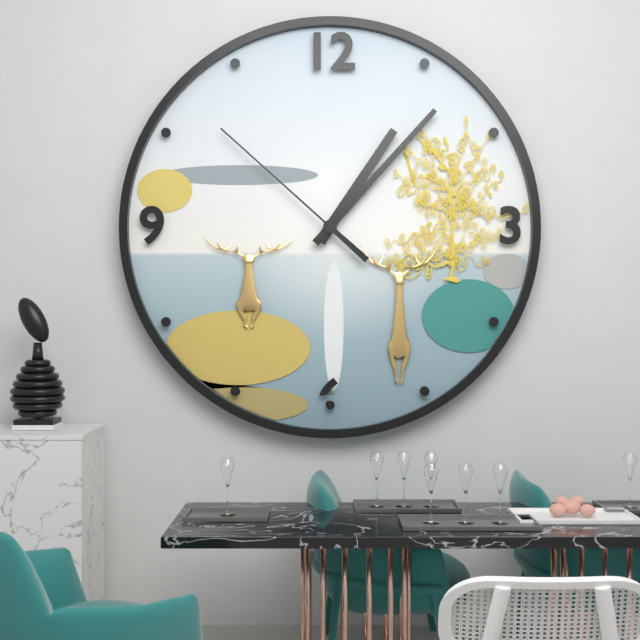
1:07:52
